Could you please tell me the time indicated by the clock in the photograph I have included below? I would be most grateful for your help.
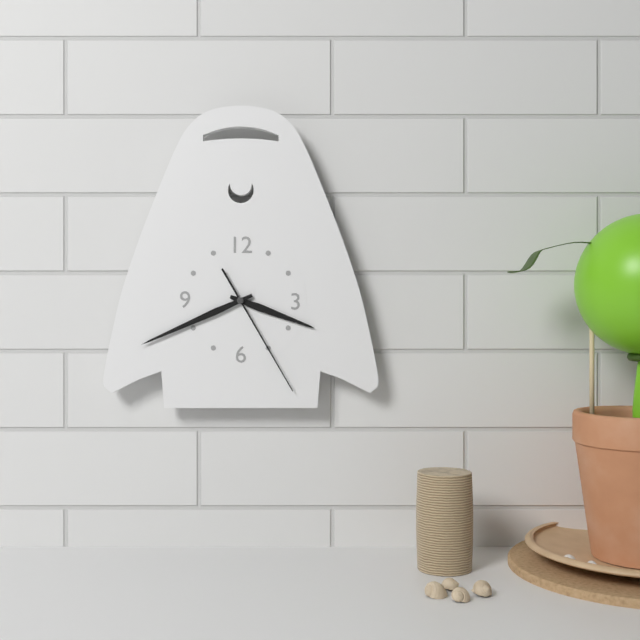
3:41:25
